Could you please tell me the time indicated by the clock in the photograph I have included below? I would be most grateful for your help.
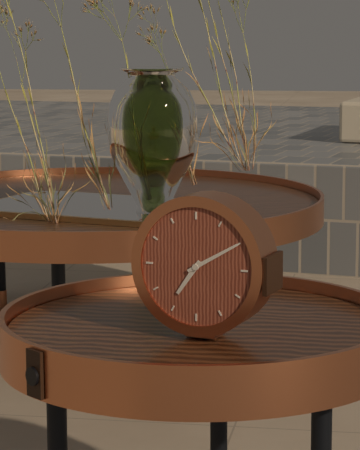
7:10
